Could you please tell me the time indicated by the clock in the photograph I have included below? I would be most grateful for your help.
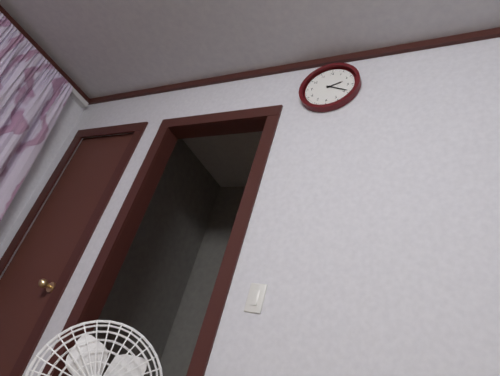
2:19
